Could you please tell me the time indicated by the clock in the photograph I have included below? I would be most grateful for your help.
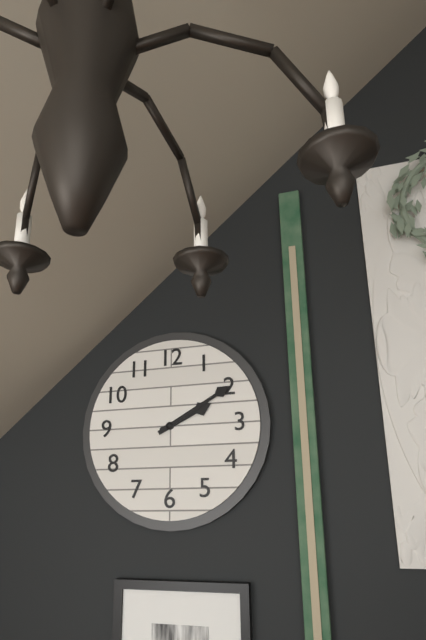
2:10
